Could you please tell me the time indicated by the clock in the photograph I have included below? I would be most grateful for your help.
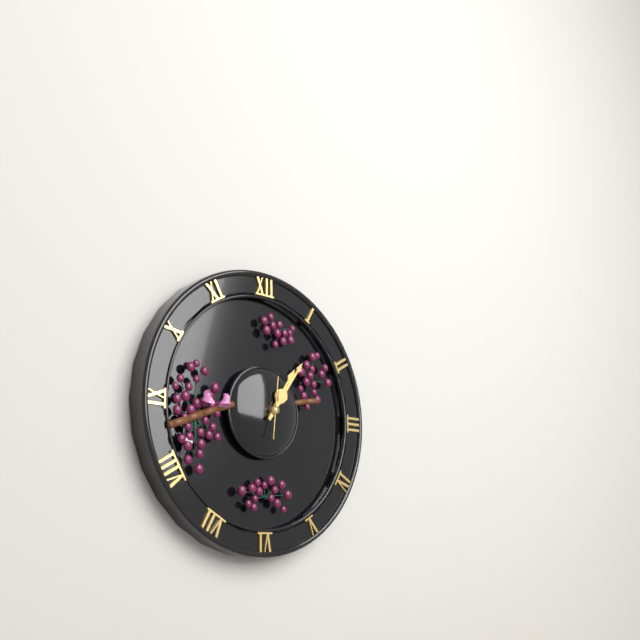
1:06
